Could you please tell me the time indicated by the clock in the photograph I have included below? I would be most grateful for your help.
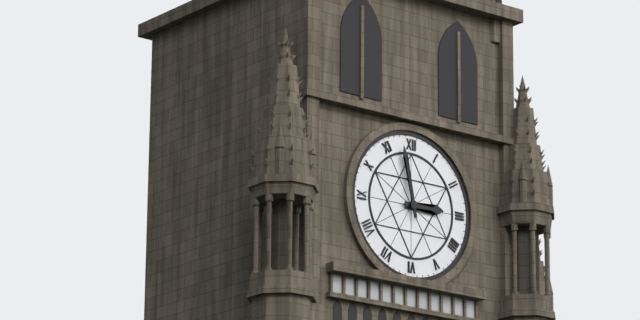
2:58
